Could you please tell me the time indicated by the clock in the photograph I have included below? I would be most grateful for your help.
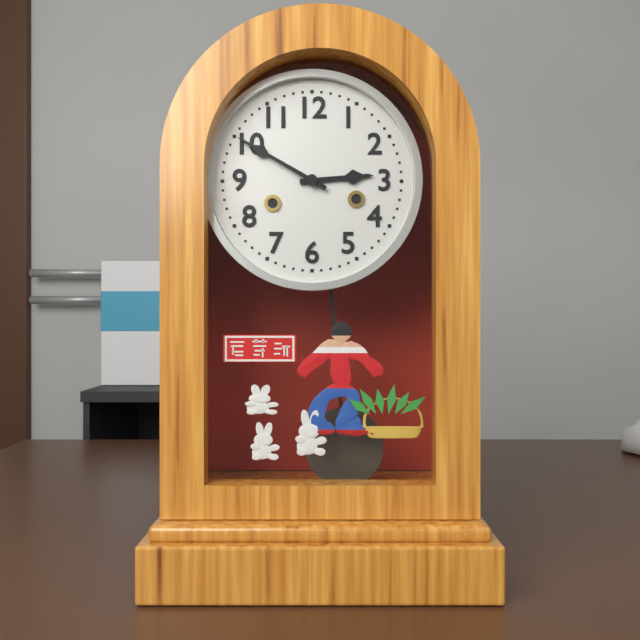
2:50
